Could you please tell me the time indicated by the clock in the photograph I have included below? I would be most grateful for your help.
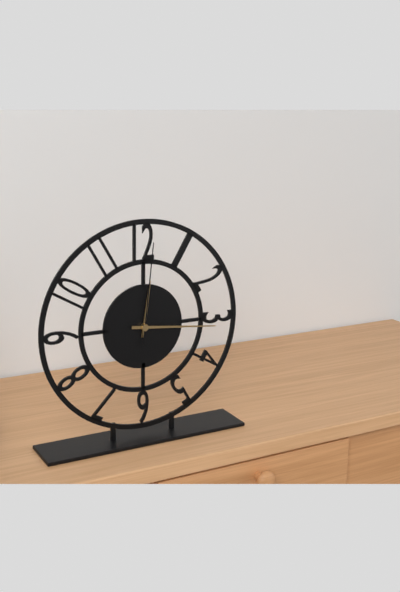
12:16:01
